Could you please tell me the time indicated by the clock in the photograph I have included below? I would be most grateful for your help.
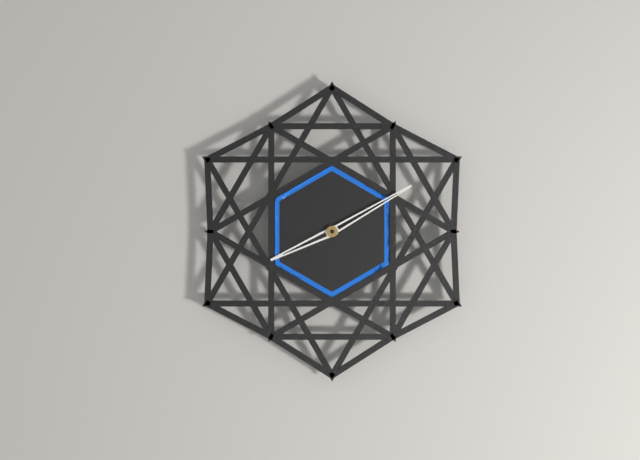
8:10
